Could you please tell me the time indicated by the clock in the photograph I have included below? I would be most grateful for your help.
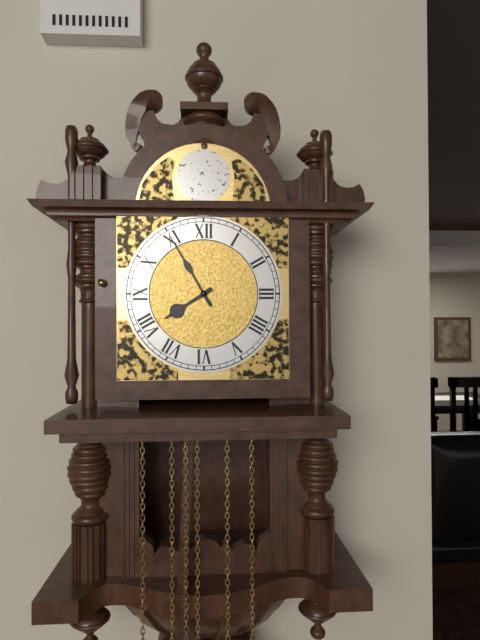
7:55
